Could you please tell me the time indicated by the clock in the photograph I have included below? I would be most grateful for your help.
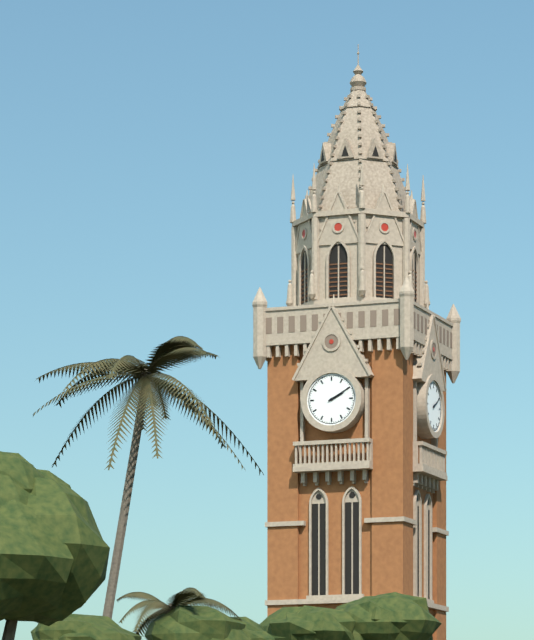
2:10
